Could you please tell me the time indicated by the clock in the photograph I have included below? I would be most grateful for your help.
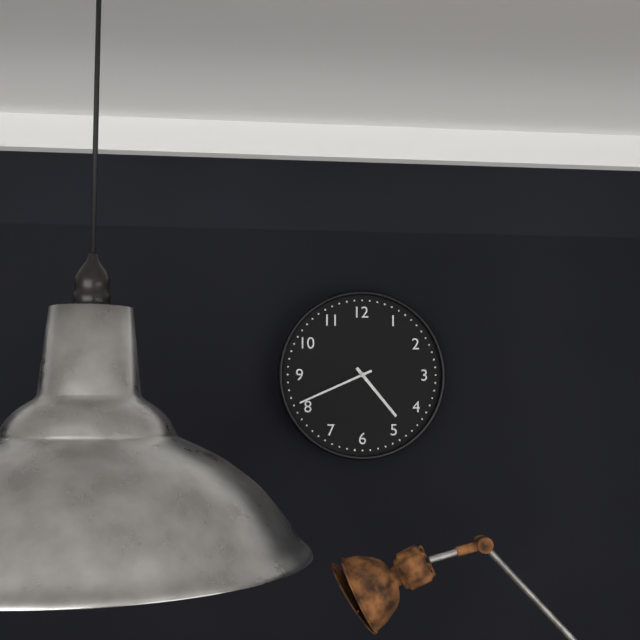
4:41
